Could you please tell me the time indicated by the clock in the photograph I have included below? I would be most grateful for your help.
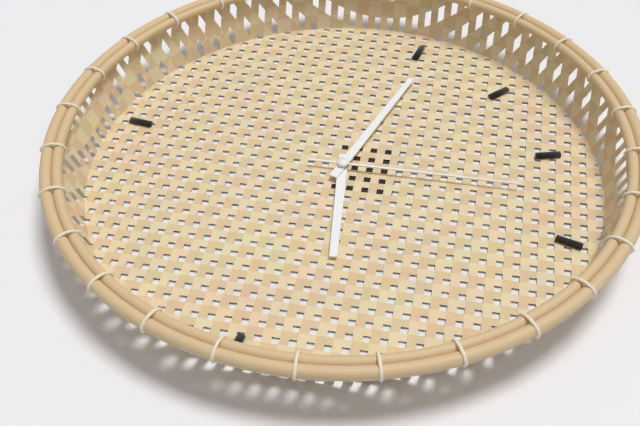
2:48:00
